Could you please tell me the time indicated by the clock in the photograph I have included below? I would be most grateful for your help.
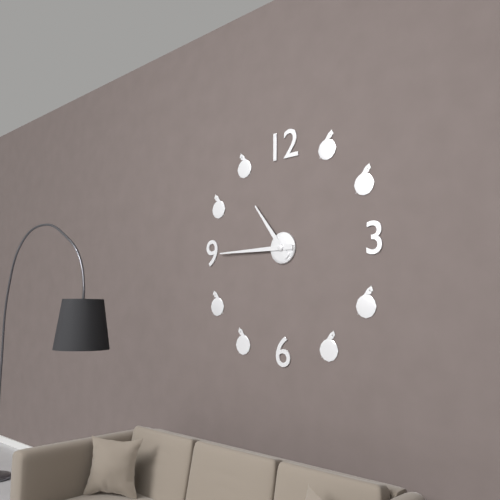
10:45
